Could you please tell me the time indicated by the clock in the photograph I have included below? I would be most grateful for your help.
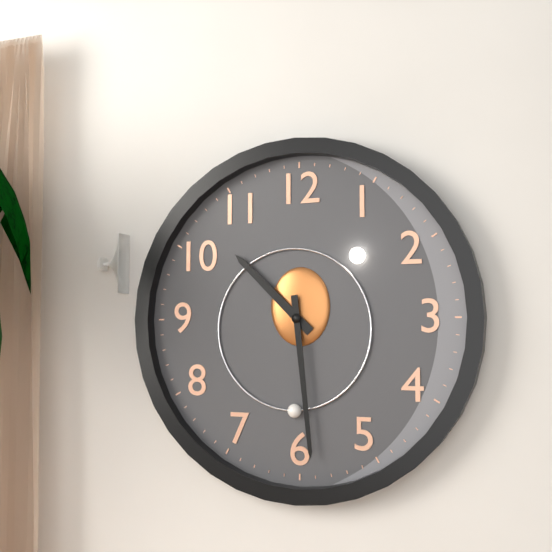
10:29
